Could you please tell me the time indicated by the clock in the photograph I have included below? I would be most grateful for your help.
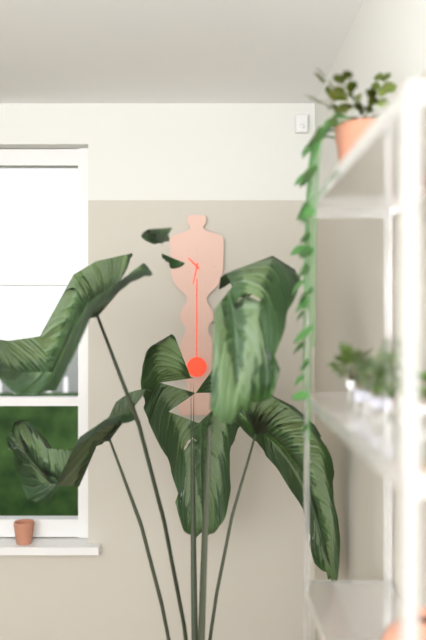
10:32
